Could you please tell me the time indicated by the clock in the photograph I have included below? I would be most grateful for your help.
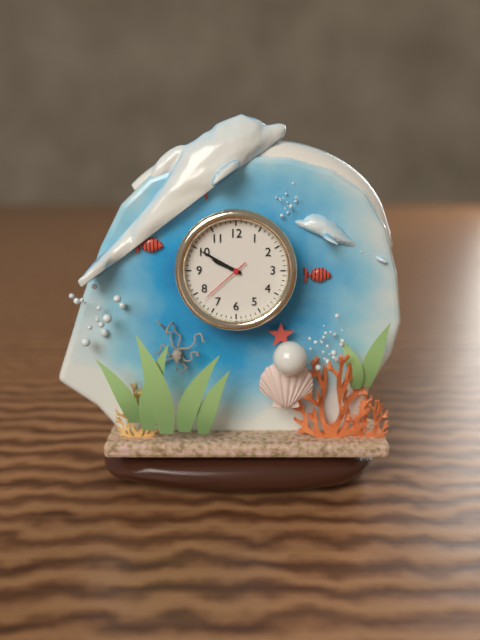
9:50:38
